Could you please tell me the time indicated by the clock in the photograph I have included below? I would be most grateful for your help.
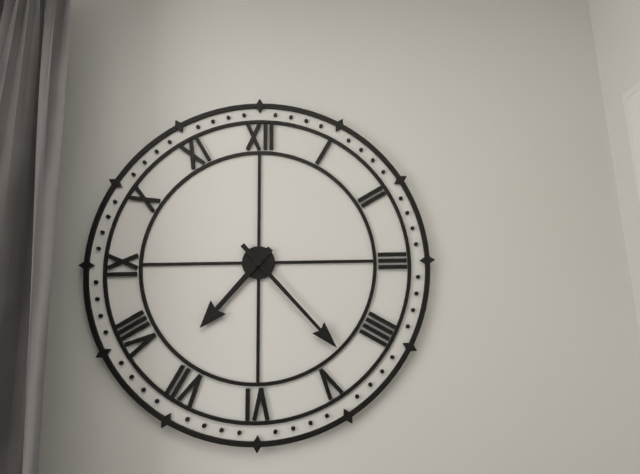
7:23
